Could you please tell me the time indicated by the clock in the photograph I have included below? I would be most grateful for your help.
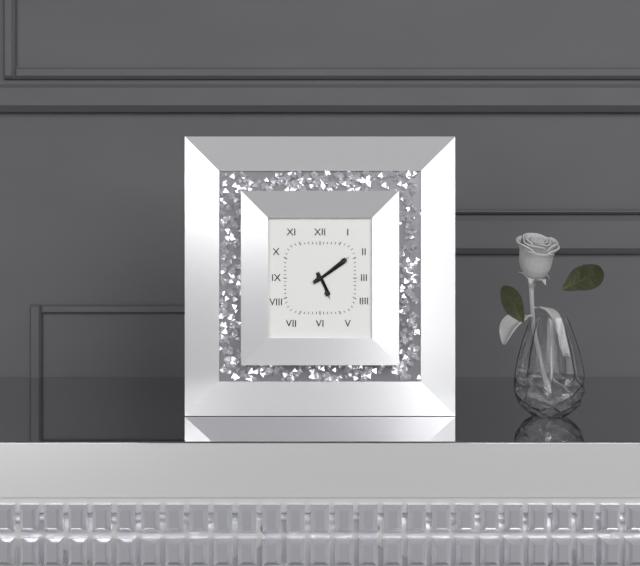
5:09
